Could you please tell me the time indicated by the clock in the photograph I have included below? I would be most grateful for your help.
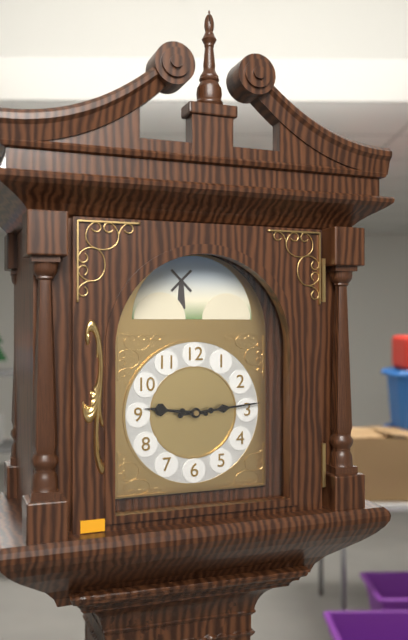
9:14
